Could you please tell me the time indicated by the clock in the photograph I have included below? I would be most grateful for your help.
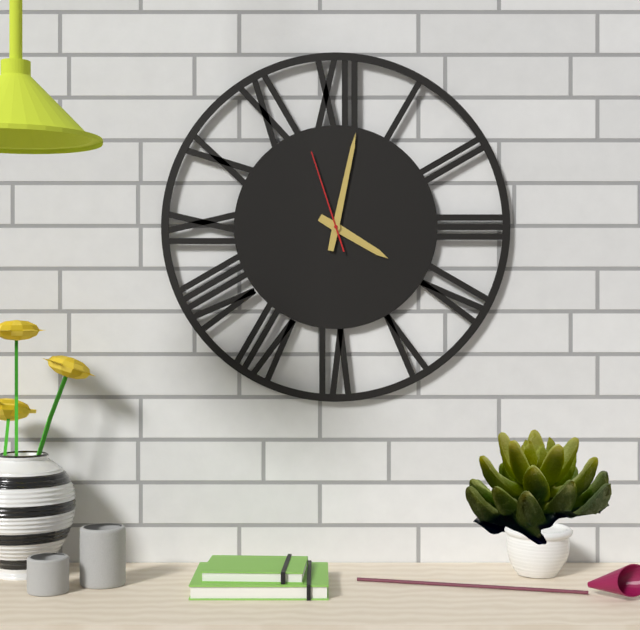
4:02:57
